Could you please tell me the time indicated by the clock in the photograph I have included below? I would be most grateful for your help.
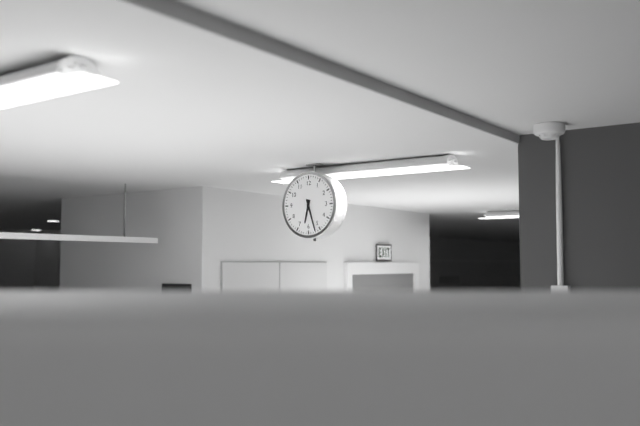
6:27
